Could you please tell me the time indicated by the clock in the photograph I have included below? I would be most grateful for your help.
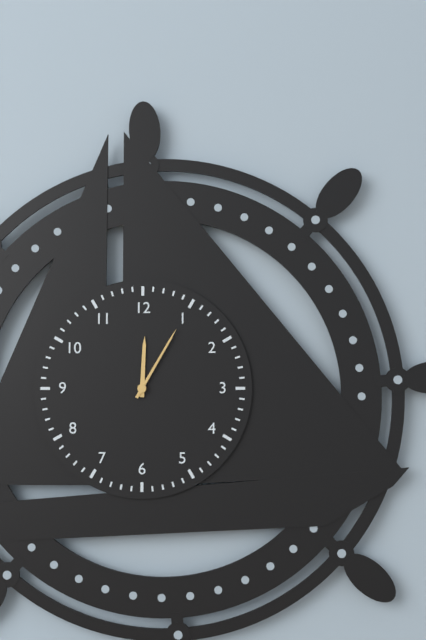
12:05
